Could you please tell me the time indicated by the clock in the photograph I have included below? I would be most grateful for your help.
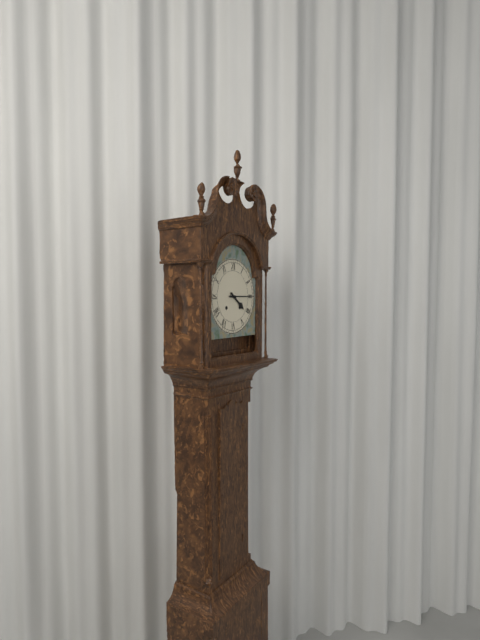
4:15
